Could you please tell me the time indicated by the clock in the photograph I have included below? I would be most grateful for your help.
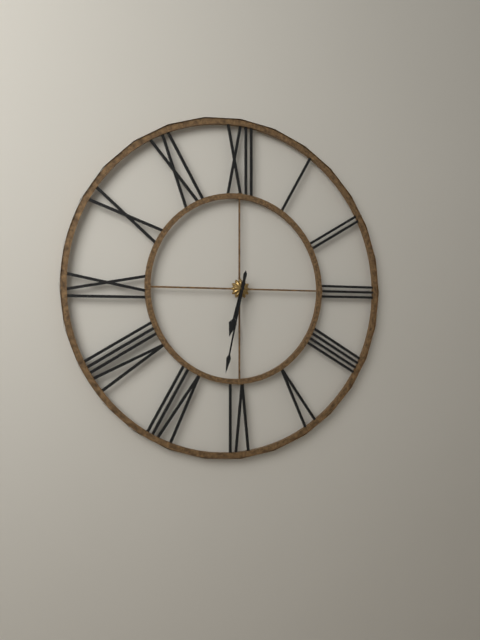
6:32
